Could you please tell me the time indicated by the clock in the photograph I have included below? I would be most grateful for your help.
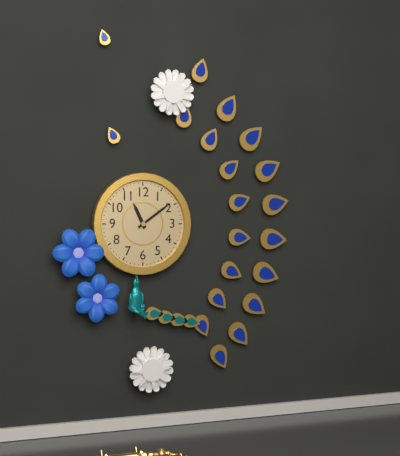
11:09
